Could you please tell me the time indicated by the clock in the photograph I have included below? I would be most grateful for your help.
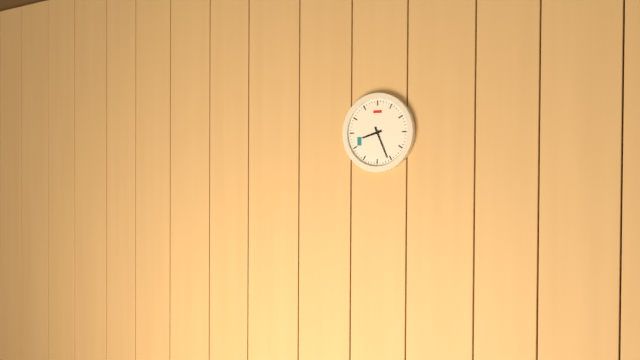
8:26
